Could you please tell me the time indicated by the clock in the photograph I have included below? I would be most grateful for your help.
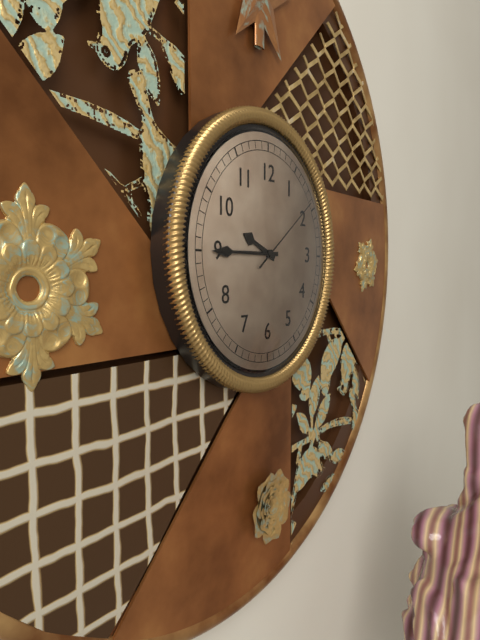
9:45:09
